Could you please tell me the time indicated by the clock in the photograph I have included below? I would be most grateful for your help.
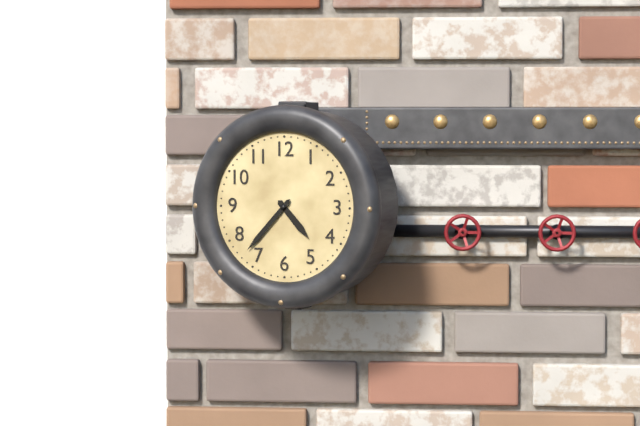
4:37
